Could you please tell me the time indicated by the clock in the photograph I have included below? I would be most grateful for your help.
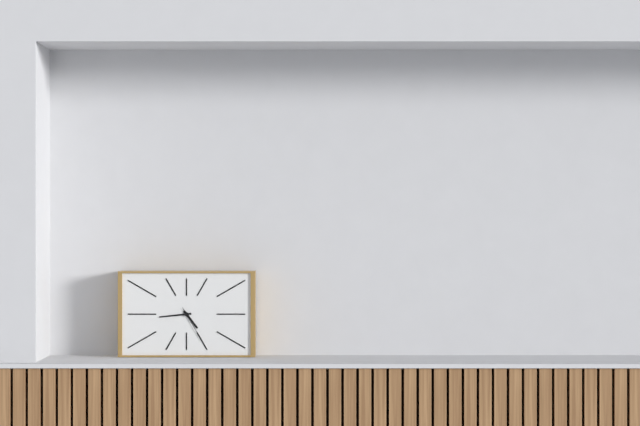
4:44
